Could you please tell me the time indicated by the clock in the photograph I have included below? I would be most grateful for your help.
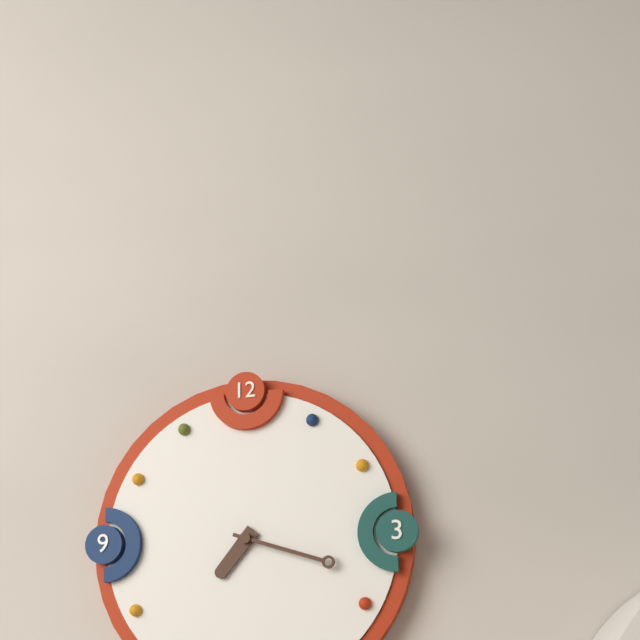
7:18
